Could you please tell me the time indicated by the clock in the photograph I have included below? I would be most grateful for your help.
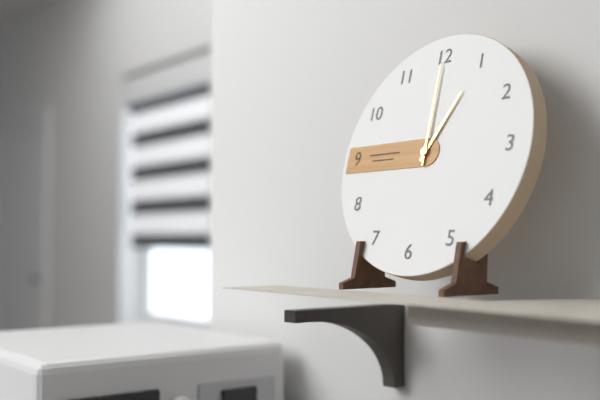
1:00
